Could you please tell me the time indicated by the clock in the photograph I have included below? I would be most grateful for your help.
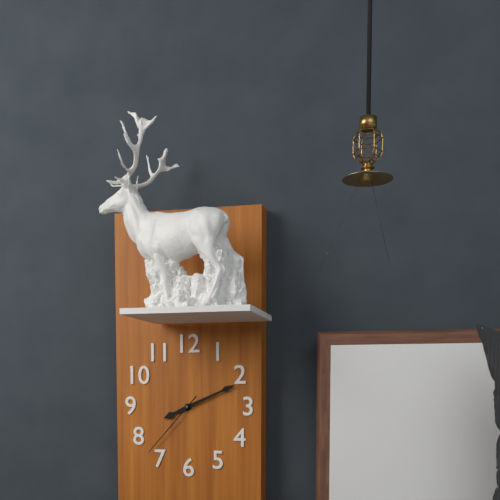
8:11:37
